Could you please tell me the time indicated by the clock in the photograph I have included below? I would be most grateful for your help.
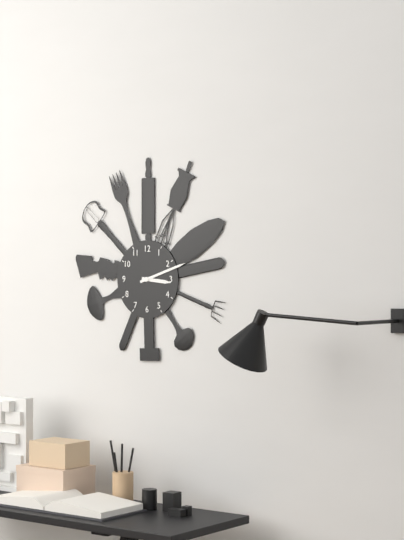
3:12
